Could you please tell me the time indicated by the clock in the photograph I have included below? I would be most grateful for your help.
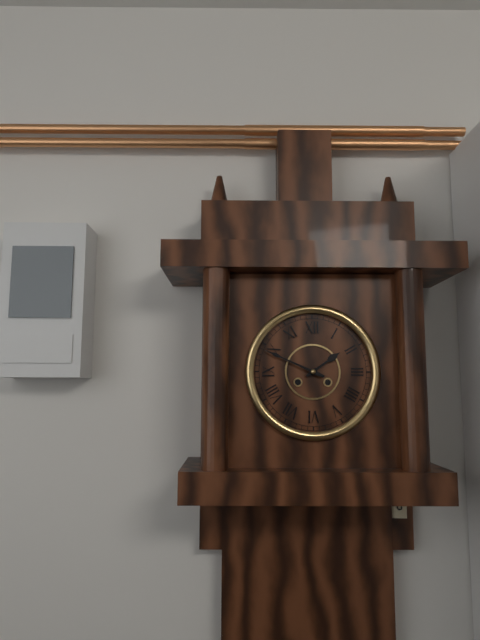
1:49
